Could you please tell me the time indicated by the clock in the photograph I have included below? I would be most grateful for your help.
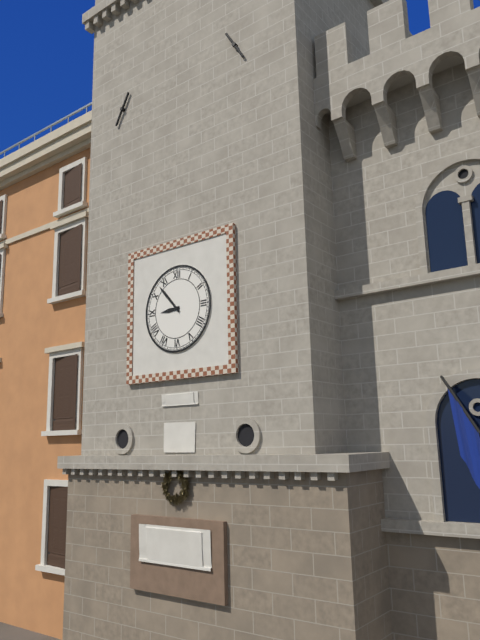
8:53
